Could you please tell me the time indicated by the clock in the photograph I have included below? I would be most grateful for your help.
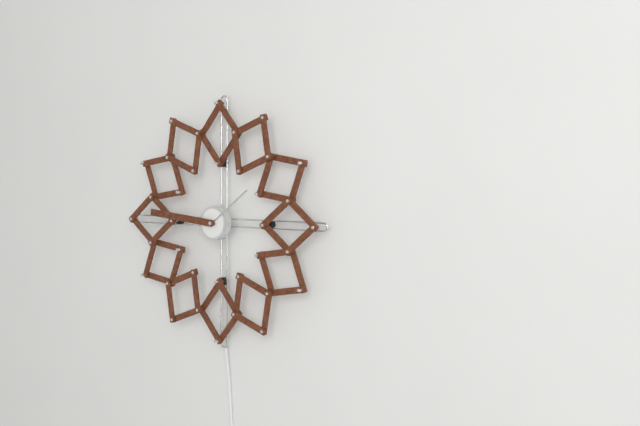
1:46
